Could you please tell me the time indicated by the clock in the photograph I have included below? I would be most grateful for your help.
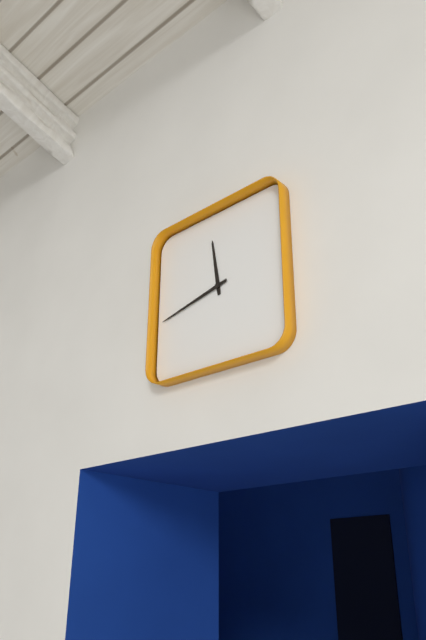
11:43
